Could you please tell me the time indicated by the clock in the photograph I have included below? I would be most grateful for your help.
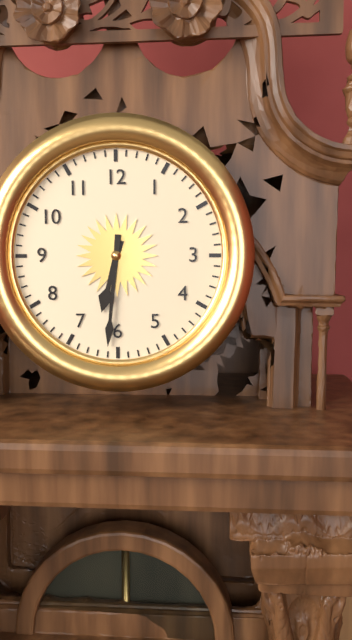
6:31
